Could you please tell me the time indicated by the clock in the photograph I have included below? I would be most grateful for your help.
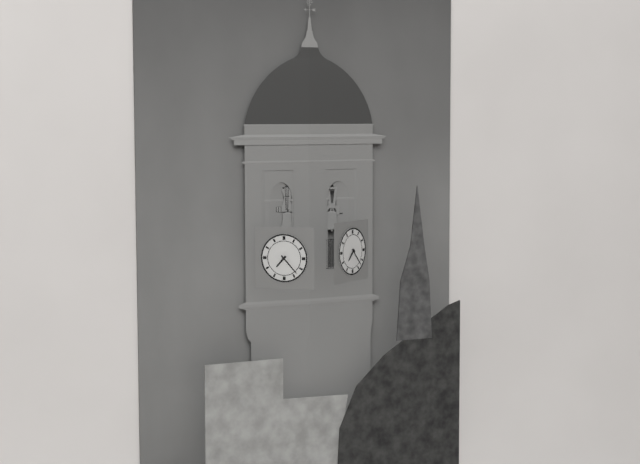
7:23
